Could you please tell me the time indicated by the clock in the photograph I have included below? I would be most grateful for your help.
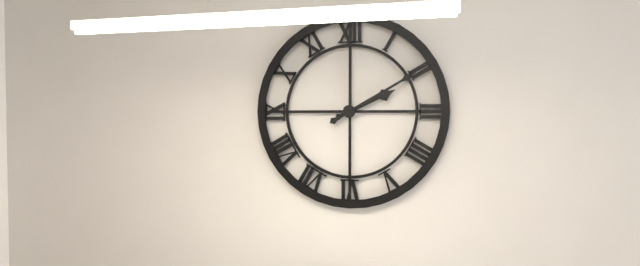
2:10
